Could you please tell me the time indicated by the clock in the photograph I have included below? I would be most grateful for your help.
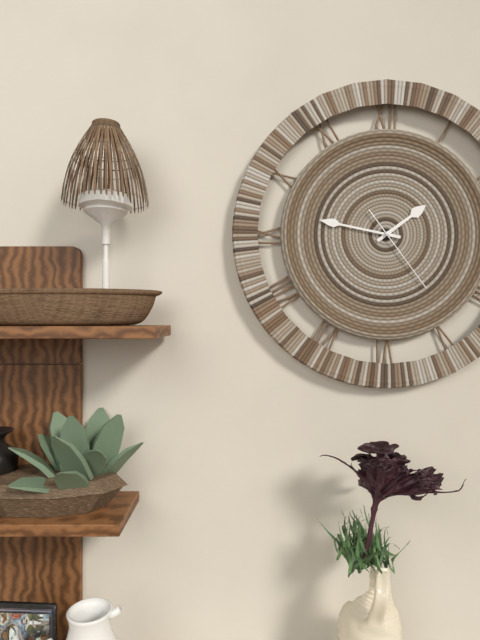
1:47:24
